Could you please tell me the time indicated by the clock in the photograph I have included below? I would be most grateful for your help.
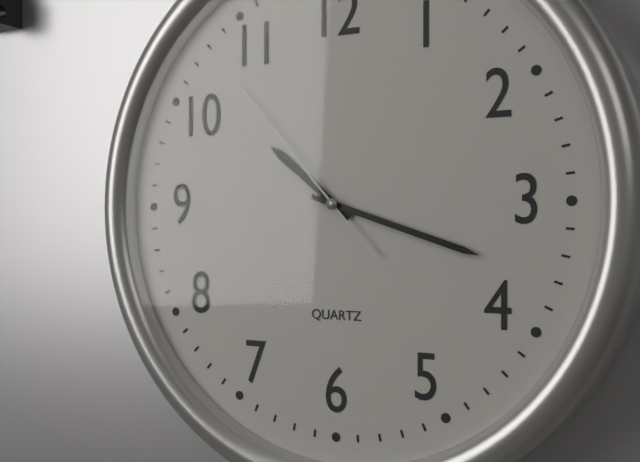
10:18:53
